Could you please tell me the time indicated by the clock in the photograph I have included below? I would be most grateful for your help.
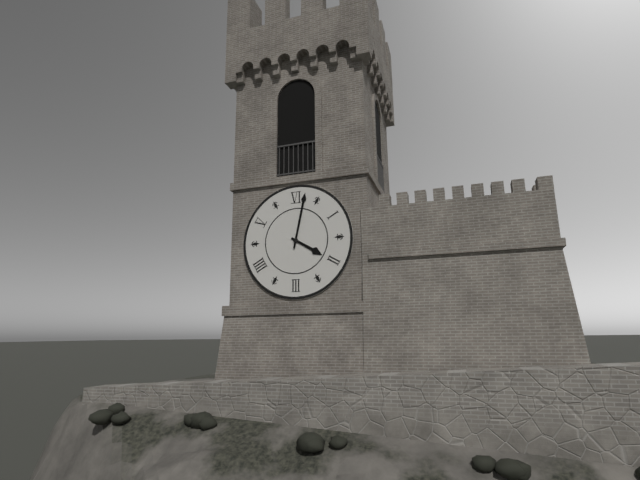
4:02
